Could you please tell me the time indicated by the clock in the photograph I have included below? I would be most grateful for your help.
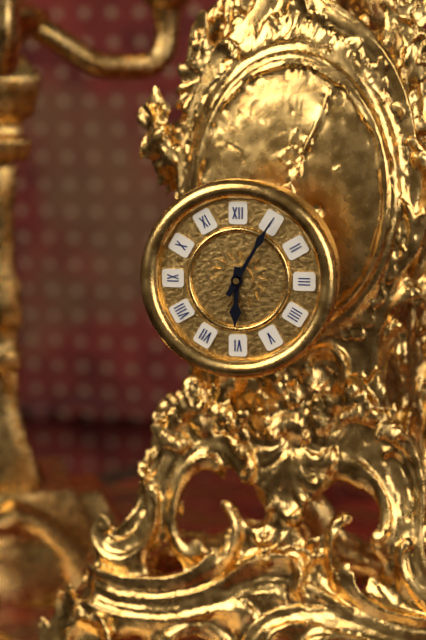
6:05
